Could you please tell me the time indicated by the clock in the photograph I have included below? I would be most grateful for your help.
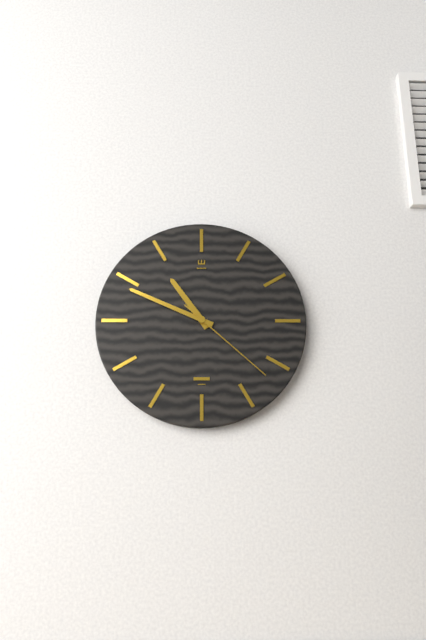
10:49:22
